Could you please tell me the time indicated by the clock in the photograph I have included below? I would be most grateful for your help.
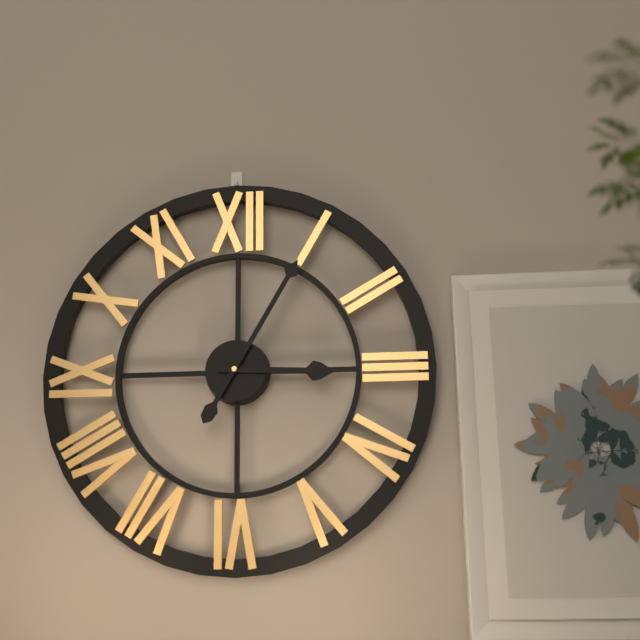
3:05
